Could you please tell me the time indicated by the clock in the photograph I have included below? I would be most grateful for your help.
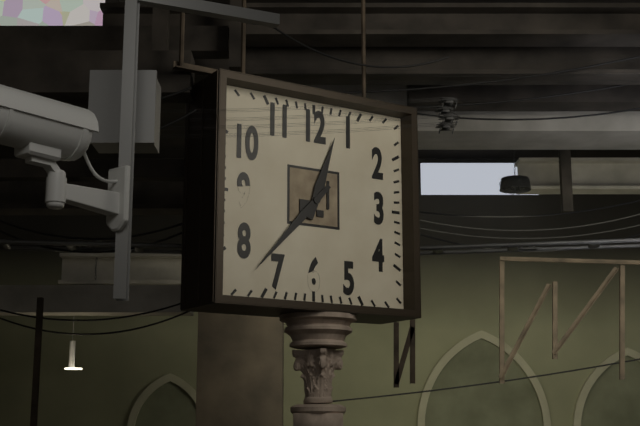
12:37
